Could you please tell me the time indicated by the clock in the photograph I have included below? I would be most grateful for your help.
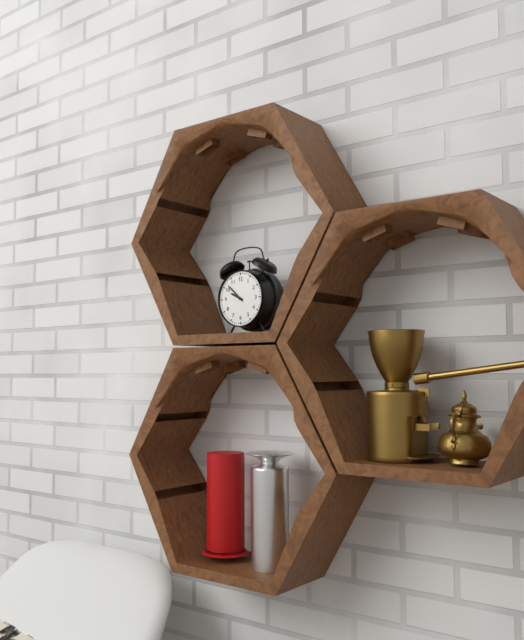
9:52
